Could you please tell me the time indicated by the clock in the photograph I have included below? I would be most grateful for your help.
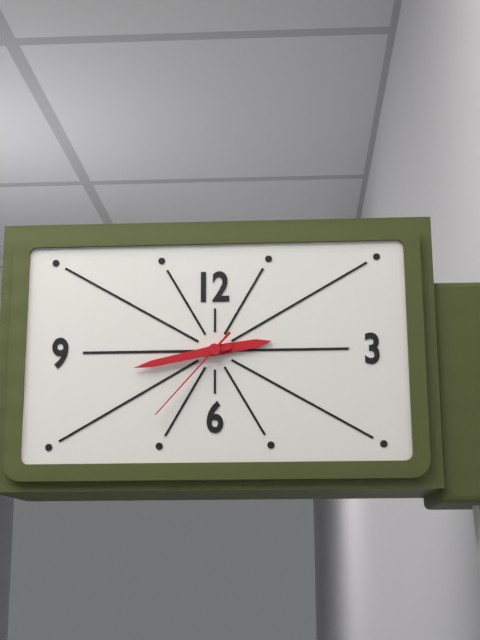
2:43:37
